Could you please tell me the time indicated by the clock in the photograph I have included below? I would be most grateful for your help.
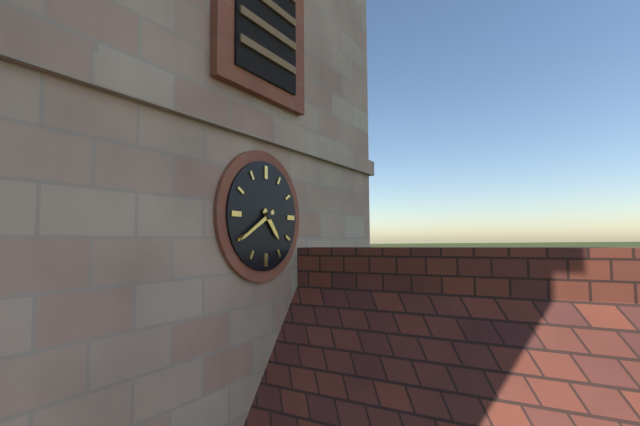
4:40
